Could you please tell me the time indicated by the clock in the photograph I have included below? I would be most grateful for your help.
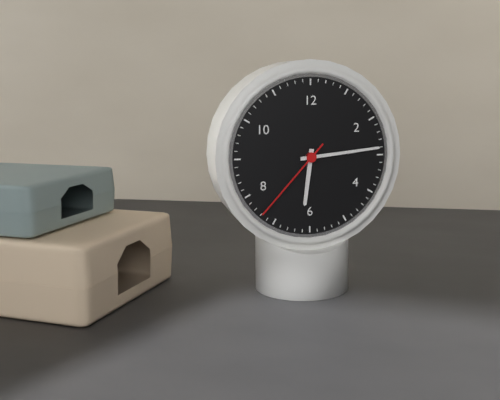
6:14:37
